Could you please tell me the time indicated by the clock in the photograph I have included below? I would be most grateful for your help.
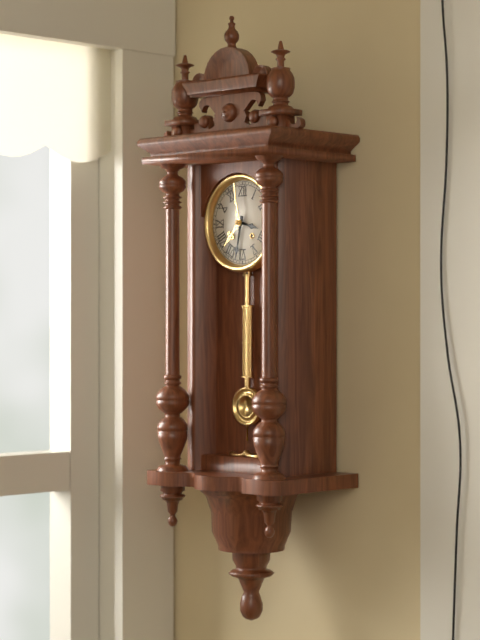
3:32
